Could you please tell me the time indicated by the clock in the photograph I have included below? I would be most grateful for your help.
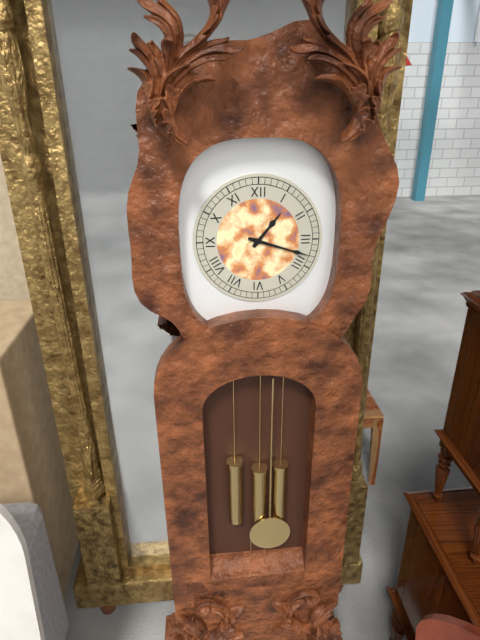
1:18
